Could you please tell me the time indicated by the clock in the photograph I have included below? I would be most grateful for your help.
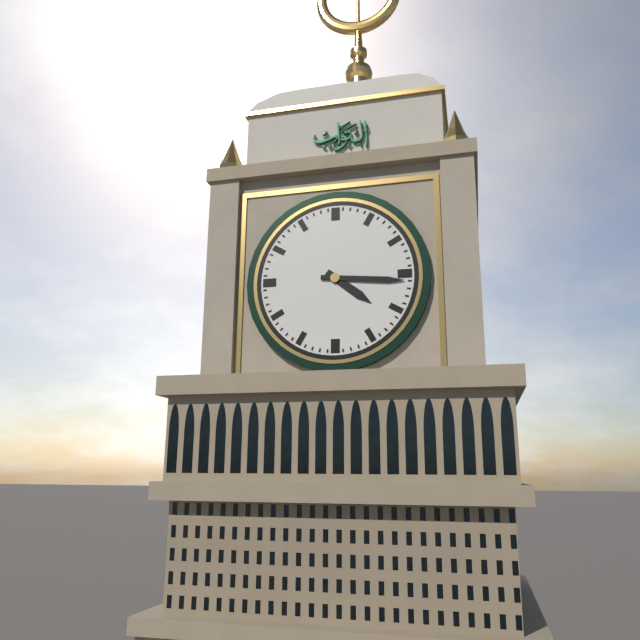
4:16
